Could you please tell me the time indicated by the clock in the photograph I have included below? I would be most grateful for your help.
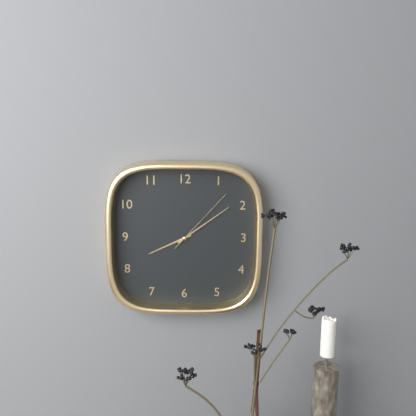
8:09:07
